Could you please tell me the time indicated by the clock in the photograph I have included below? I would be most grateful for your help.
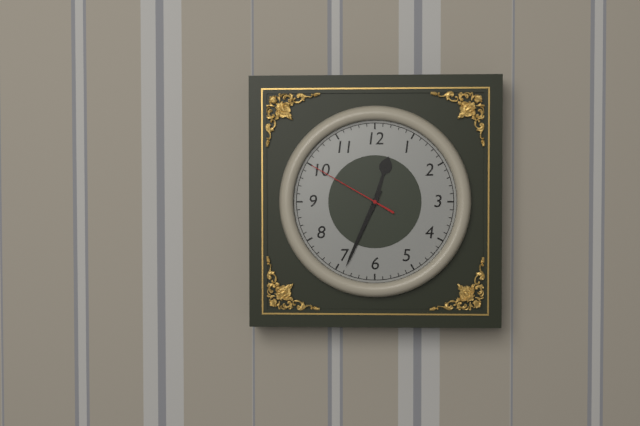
12:34:50
